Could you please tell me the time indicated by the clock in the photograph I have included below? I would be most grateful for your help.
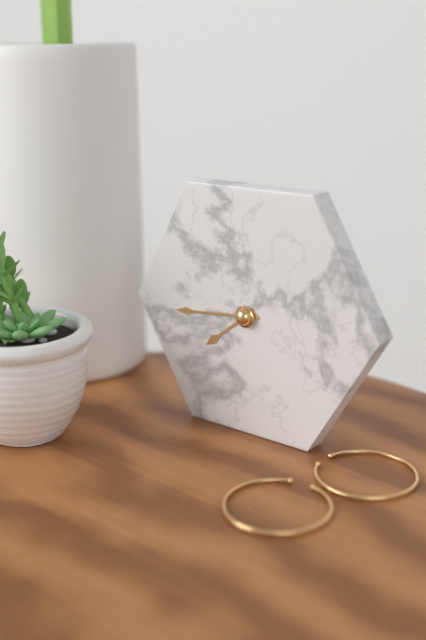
7:44
